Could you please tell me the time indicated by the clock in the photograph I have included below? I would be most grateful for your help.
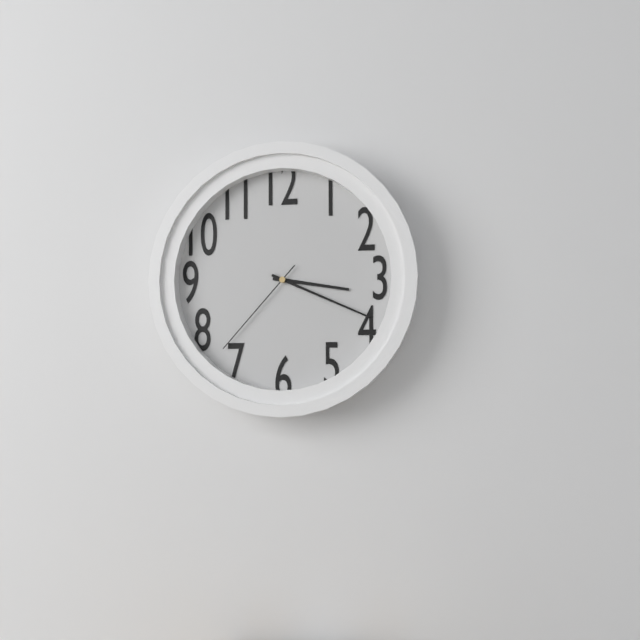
3:19:37
